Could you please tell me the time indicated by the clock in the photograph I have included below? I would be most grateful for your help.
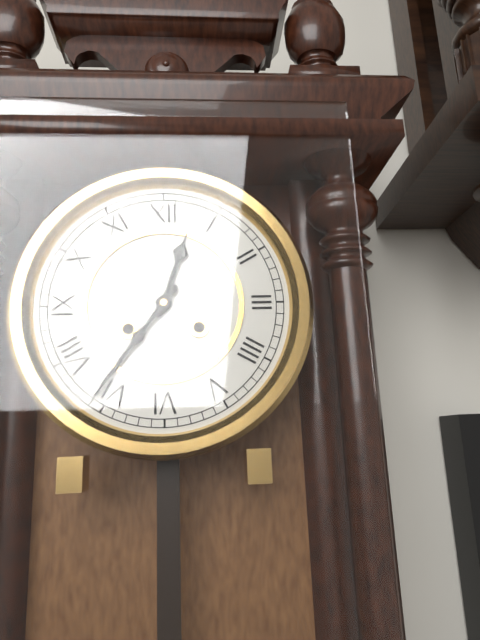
12:36
